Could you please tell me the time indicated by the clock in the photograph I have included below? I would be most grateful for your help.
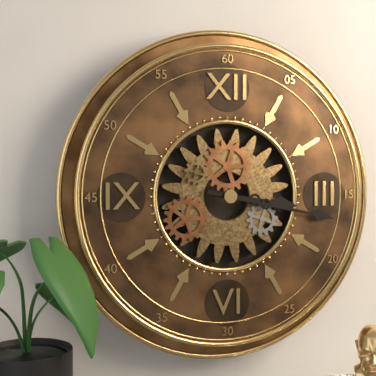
3:17
